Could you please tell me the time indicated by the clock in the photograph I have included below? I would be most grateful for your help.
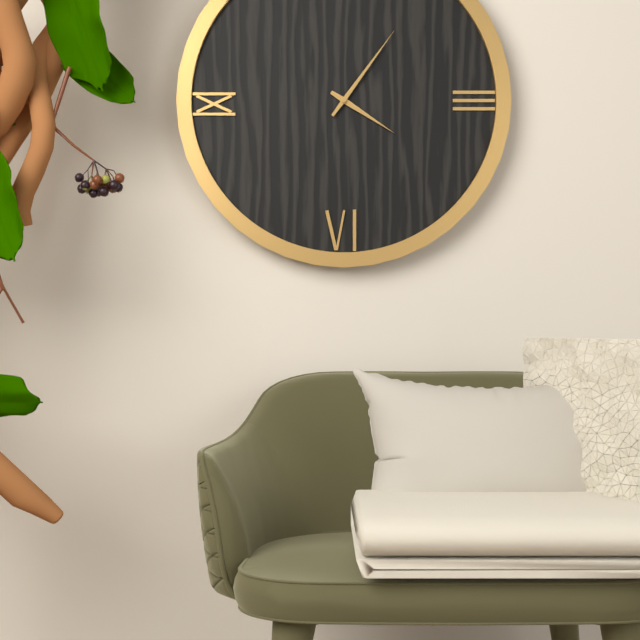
4:06
